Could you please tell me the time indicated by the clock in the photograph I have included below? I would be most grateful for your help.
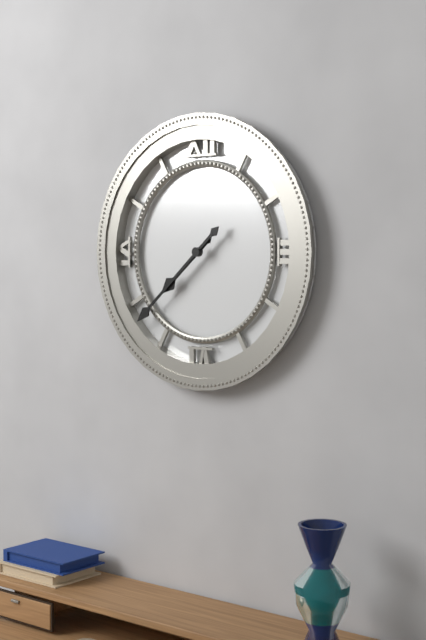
7:38
